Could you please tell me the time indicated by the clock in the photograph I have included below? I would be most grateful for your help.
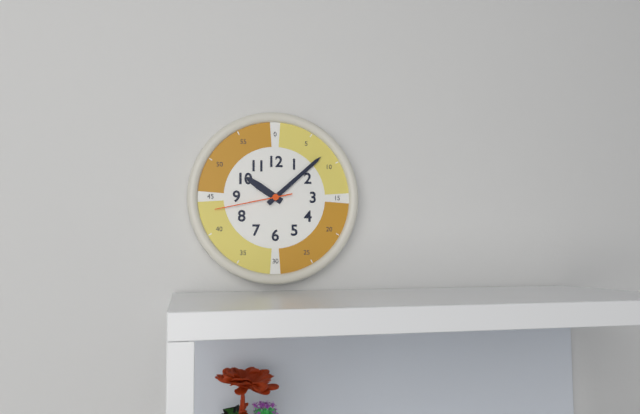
10:08:43
